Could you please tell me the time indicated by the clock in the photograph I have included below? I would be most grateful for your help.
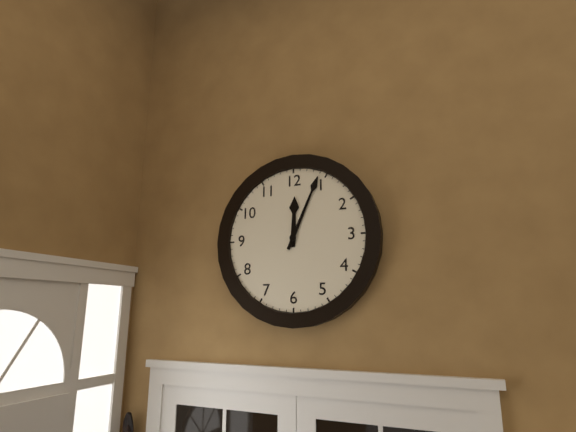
12:04
